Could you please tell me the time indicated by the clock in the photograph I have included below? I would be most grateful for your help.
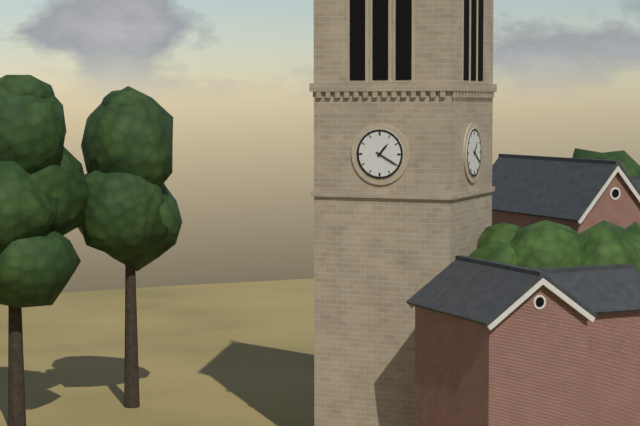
1:20
